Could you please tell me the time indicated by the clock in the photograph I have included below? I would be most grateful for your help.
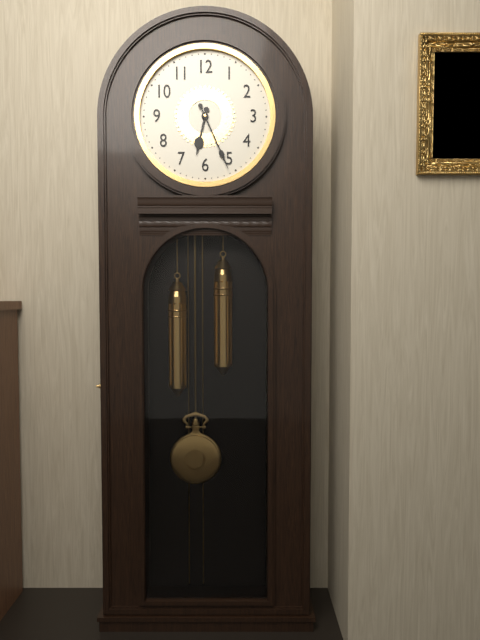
6:26
